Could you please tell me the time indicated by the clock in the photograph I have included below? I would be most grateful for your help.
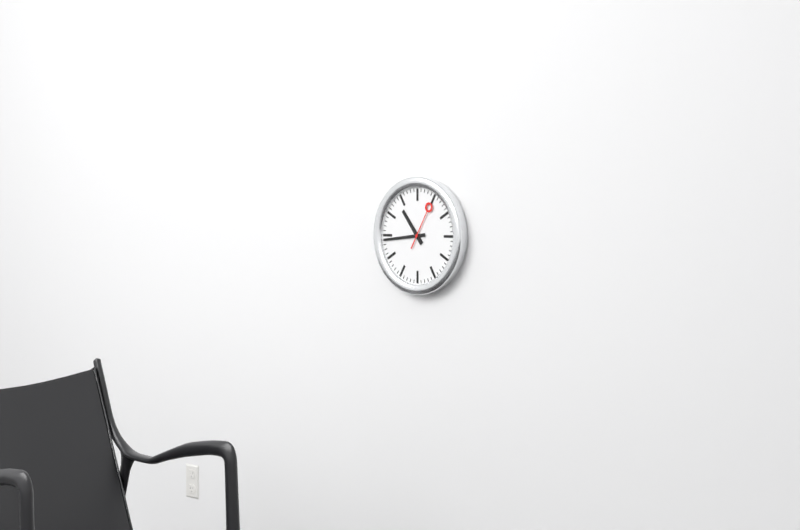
10:44
